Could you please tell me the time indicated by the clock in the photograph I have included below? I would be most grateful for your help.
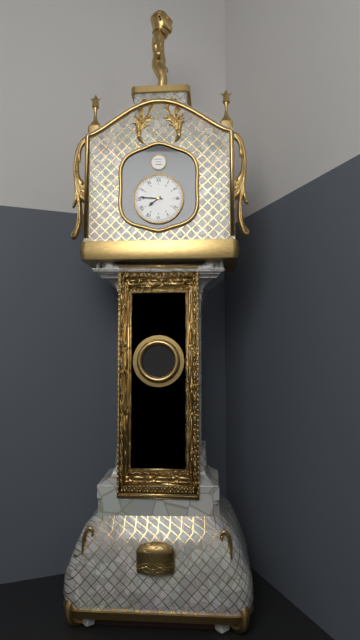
7:46
